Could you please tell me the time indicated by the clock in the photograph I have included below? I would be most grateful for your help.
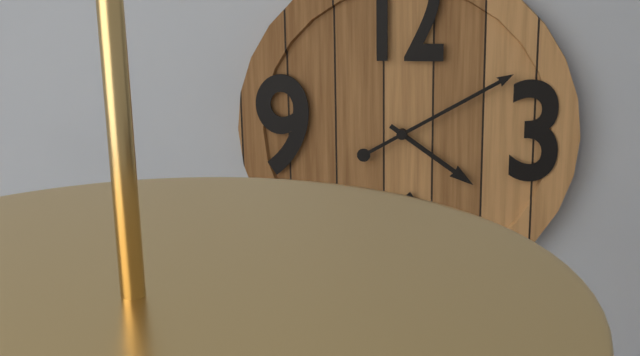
4:10
